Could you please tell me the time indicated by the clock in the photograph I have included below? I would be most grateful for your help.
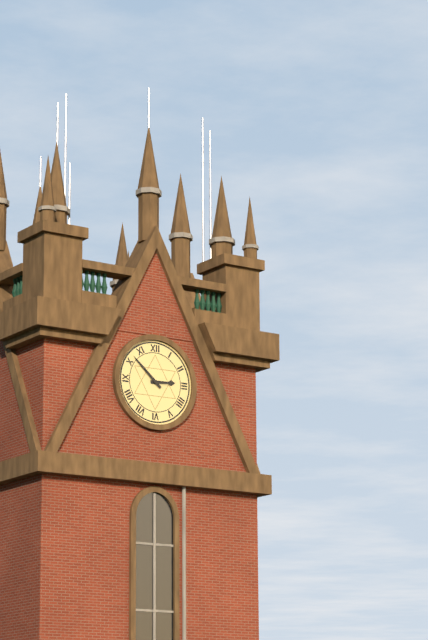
2:52
